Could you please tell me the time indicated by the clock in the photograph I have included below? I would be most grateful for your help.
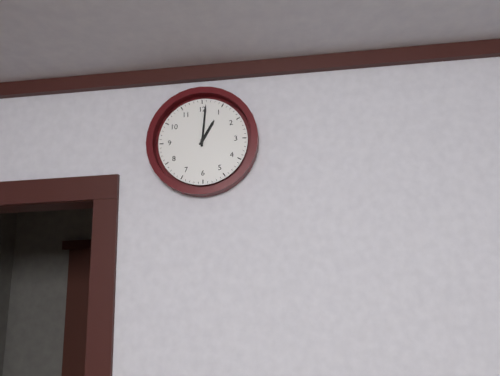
1:01
